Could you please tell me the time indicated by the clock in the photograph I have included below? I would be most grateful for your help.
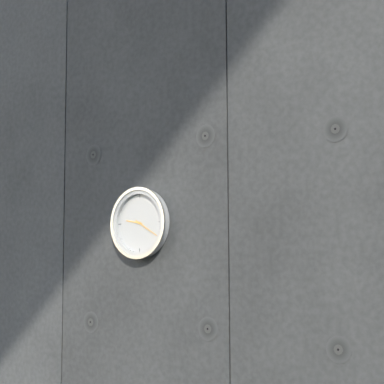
9:20
